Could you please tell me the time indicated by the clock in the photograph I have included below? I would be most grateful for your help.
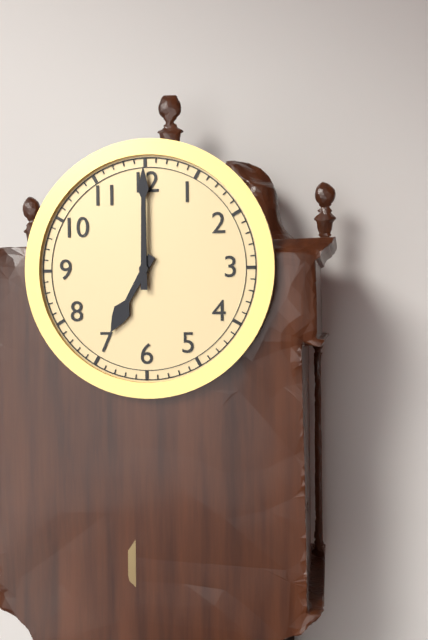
7:00
